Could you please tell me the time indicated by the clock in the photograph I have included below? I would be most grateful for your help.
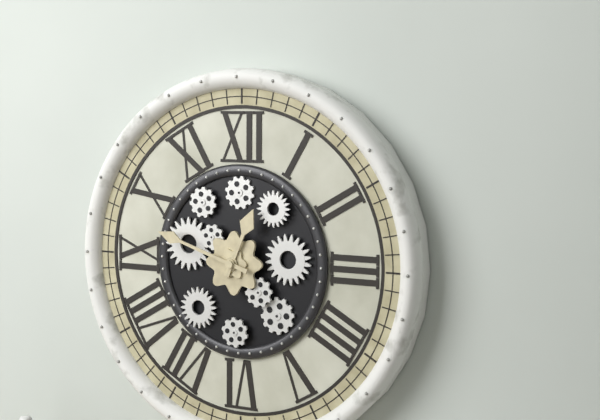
12:48
